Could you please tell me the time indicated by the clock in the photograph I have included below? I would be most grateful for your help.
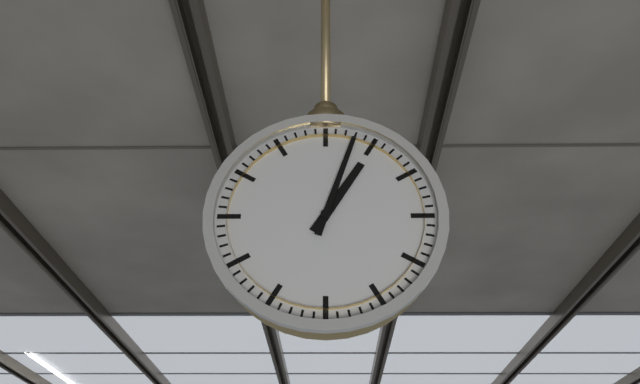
1:03
